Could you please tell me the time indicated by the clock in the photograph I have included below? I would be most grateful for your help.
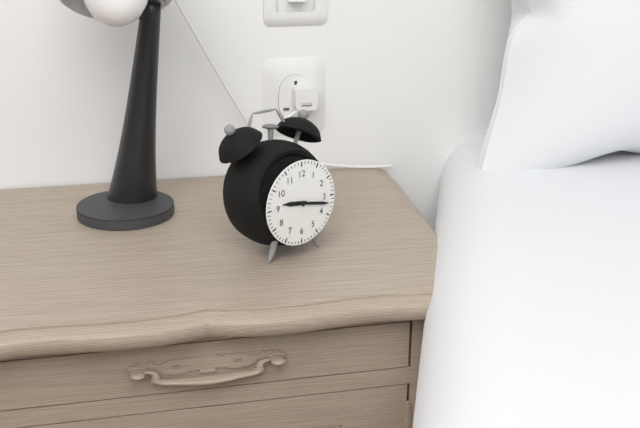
9:17
